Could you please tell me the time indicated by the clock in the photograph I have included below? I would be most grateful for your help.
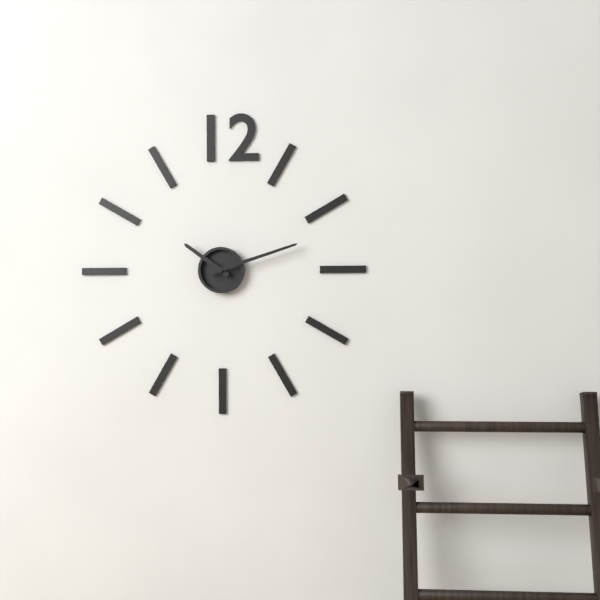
10:12
